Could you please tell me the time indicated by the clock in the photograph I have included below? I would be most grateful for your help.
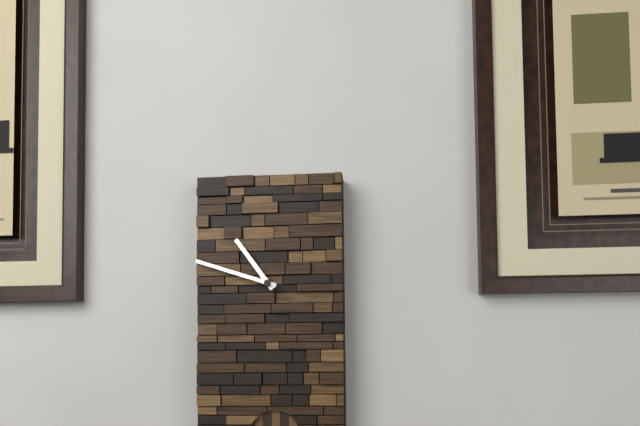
10:48
